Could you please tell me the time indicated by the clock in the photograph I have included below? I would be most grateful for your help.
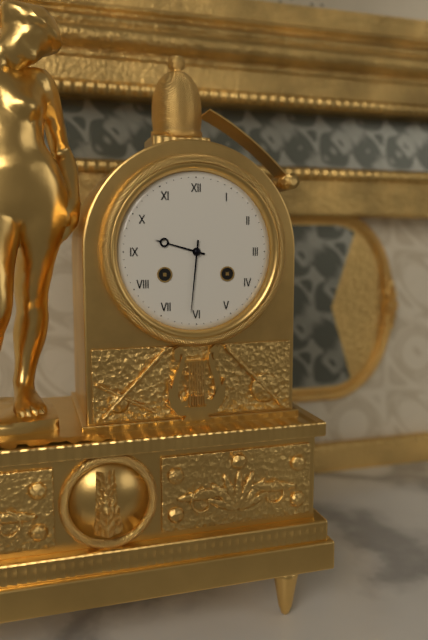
9:31
